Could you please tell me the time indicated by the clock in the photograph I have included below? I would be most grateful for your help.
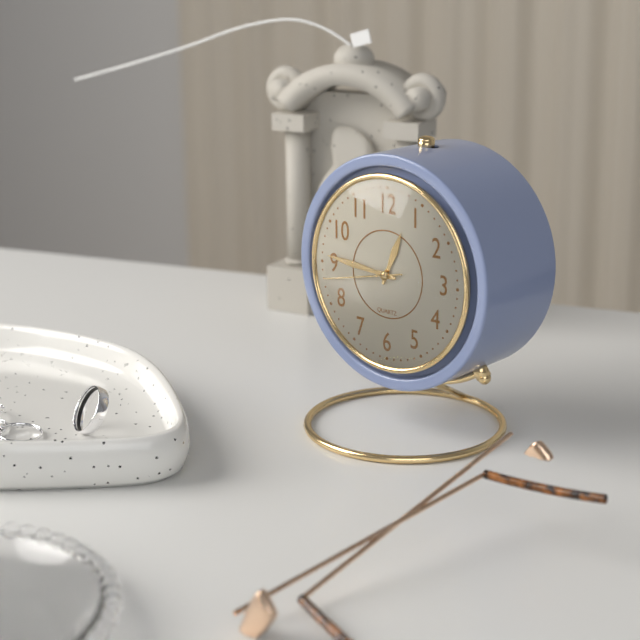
12:46:43
